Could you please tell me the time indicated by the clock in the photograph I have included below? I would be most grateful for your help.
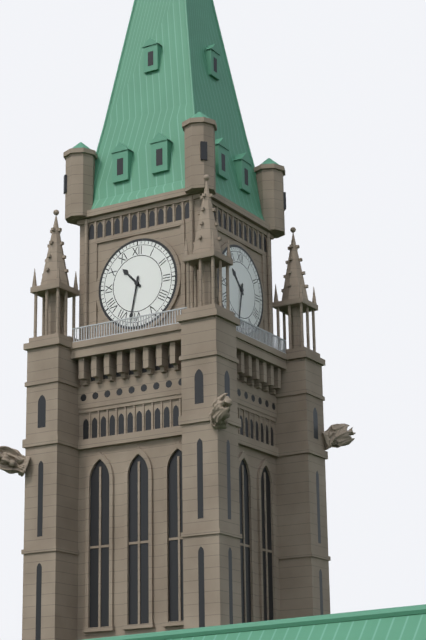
10:32
